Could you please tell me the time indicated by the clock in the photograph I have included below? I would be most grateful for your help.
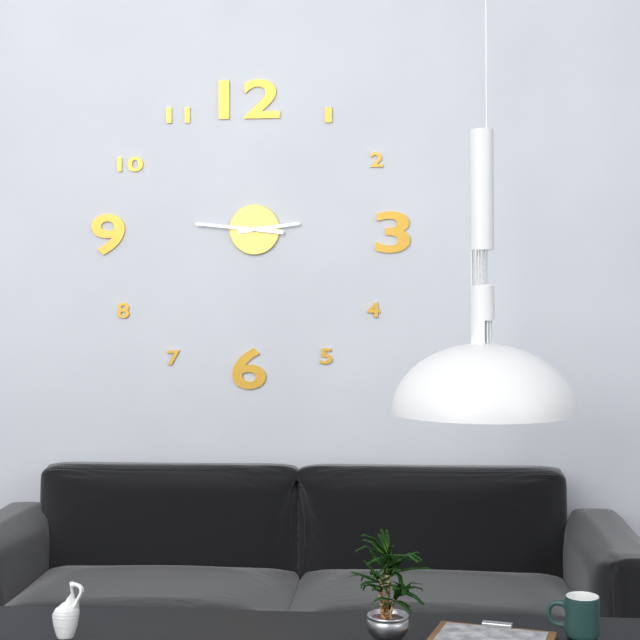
2:46
